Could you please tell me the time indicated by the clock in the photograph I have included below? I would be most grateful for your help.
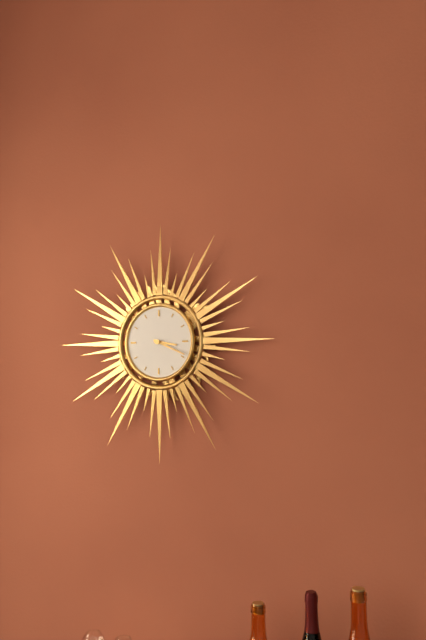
3:19
